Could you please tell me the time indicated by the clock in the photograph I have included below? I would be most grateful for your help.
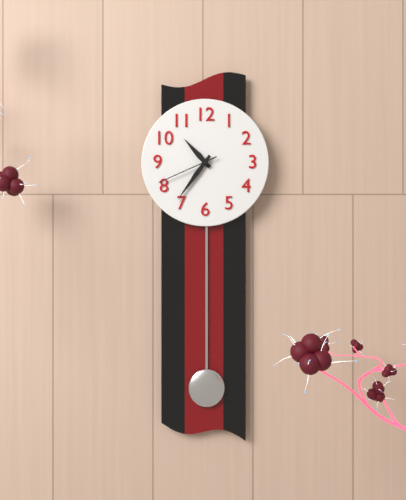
10:36:41
